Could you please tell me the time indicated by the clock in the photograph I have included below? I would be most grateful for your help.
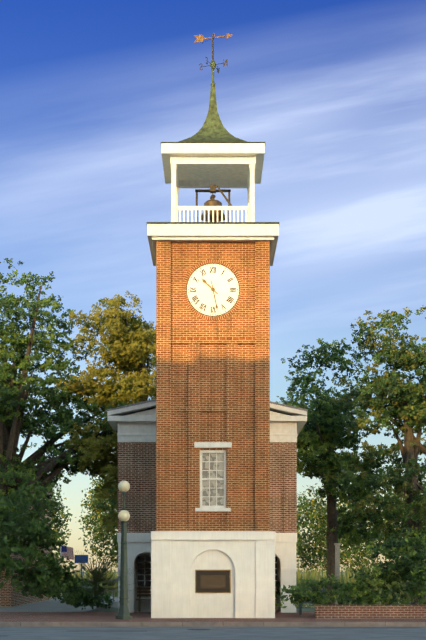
10:28
